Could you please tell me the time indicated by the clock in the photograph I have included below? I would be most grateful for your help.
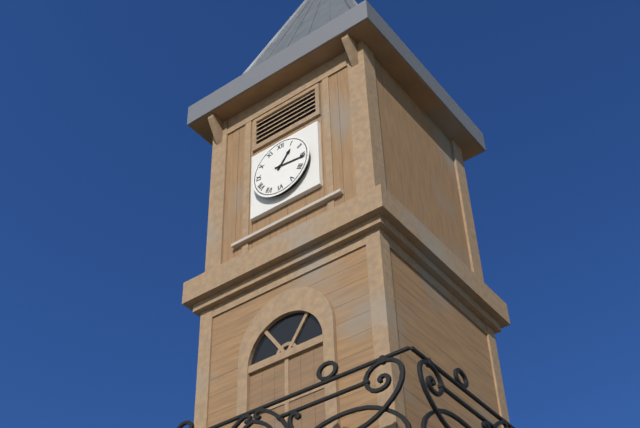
1:16
